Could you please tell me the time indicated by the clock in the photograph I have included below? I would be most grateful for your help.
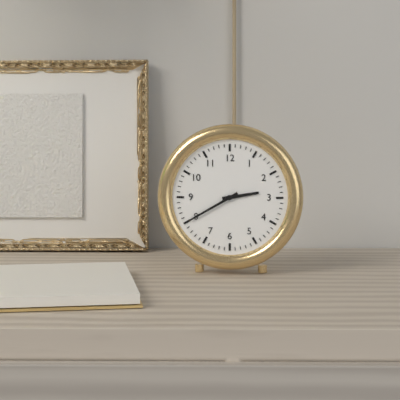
2:40
